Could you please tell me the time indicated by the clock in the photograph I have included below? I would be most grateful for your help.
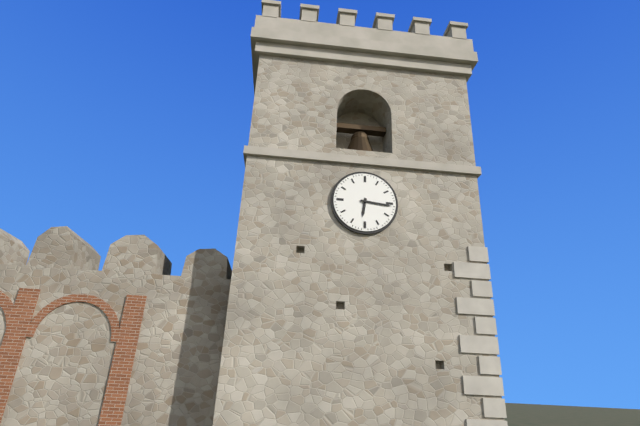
6:16
